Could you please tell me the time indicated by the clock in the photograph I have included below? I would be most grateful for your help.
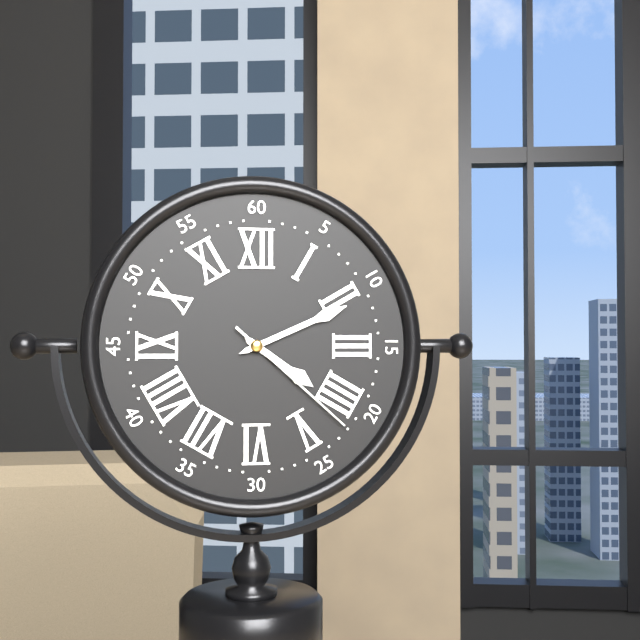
4:11:22
